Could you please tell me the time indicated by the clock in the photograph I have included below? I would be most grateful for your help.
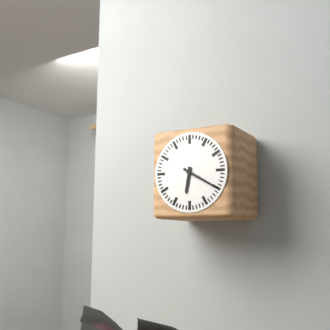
6:20
